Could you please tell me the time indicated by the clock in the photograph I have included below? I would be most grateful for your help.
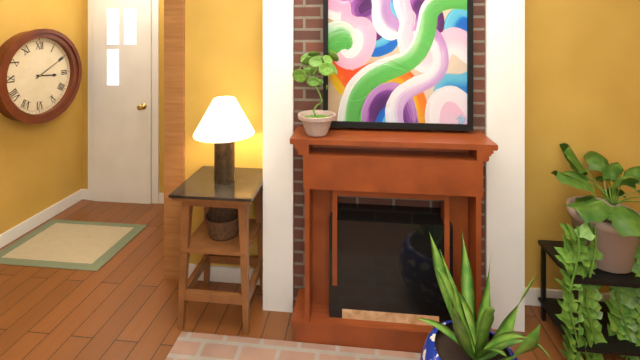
3:10
